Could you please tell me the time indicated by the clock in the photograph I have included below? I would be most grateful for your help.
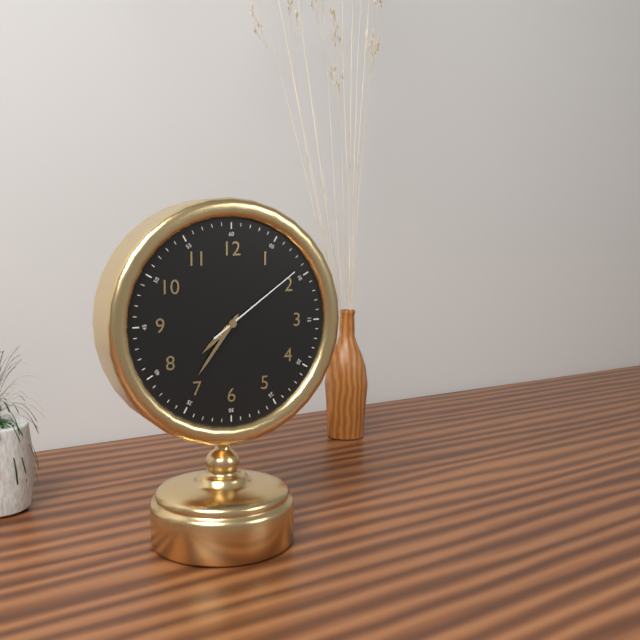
7:36:09
